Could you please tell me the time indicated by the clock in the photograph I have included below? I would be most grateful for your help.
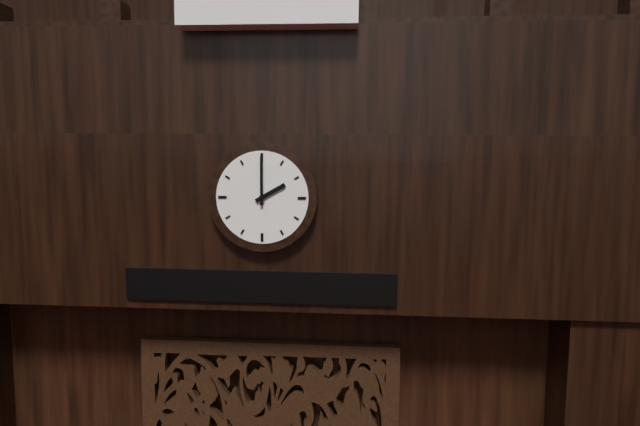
2:00
